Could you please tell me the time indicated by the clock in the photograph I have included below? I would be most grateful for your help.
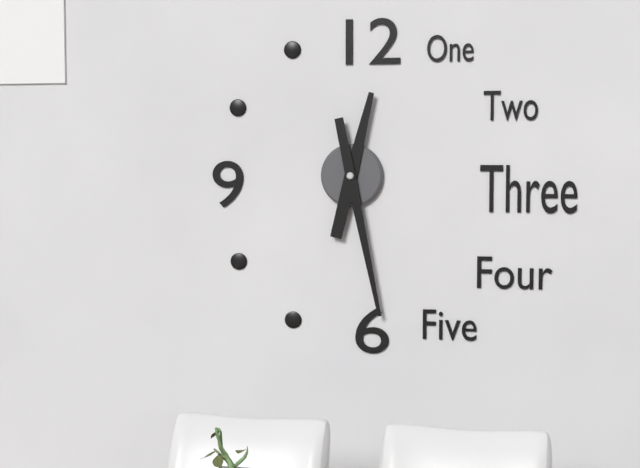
12:28
